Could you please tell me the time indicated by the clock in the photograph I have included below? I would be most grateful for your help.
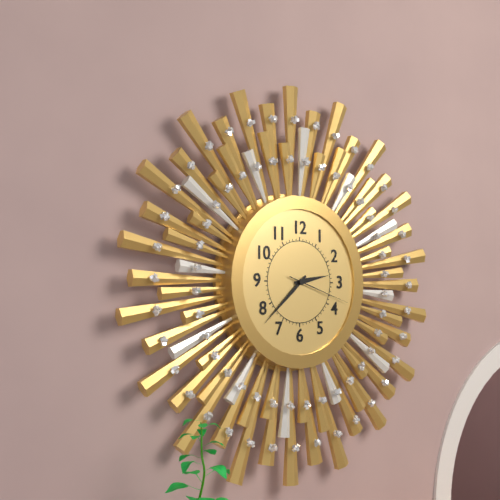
2:38:18
